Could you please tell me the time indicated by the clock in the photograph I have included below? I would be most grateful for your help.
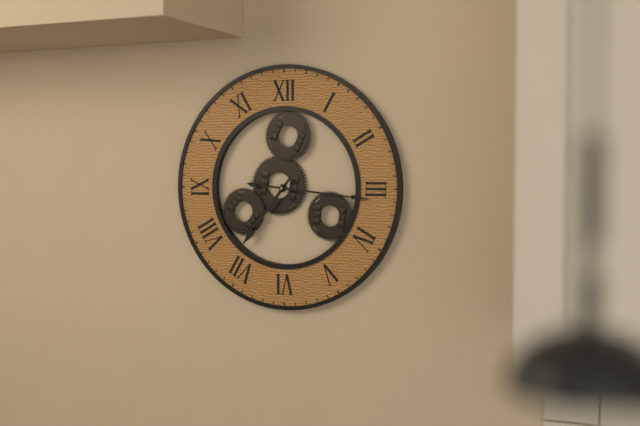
7:16
